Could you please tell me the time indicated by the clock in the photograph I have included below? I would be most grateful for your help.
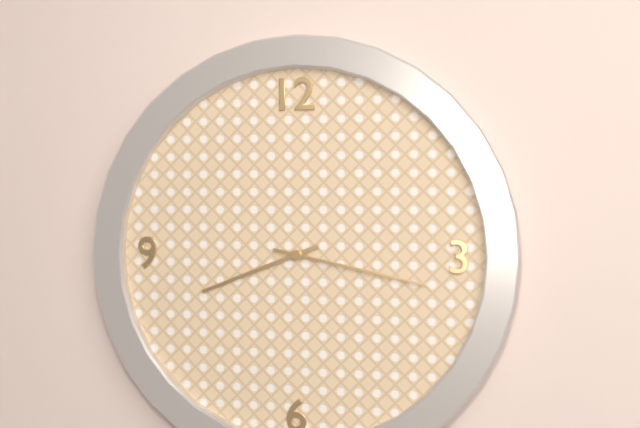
8:17
